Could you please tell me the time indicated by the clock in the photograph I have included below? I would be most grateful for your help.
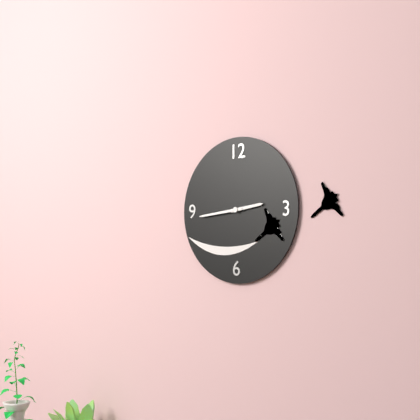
2:44
